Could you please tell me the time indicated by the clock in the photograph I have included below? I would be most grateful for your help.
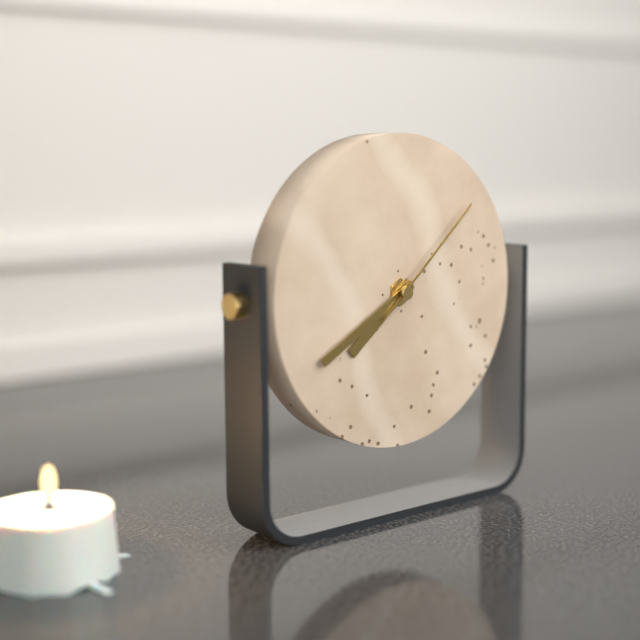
7:40:08
